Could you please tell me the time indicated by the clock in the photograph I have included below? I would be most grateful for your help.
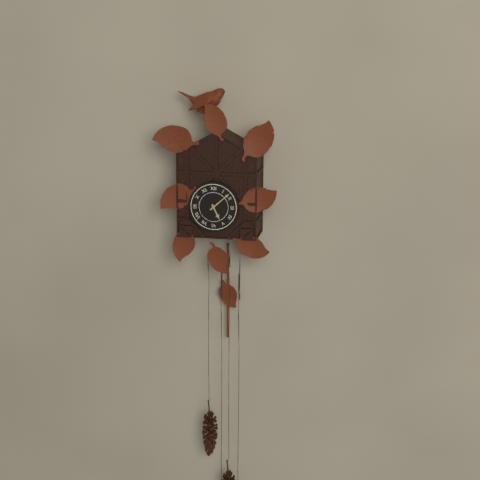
5:08
